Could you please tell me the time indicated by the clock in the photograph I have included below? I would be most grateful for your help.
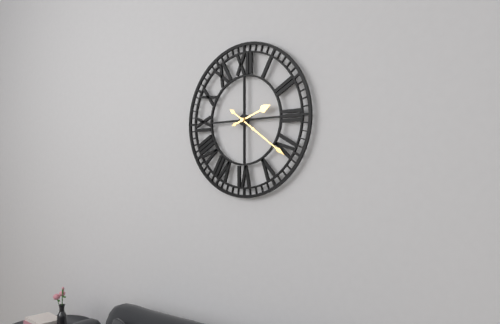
2:21
